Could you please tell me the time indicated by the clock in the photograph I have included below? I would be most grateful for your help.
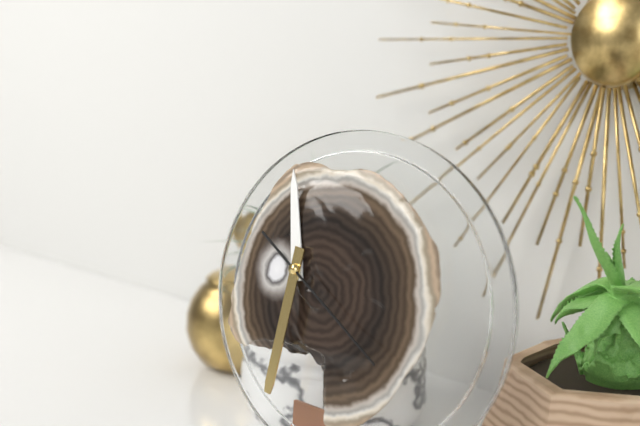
11:31:20
